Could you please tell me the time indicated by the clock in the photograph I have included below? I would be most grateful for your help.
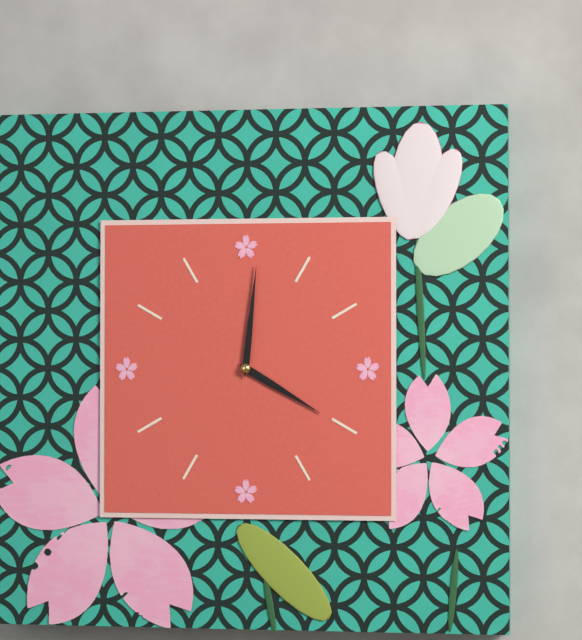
4:01
